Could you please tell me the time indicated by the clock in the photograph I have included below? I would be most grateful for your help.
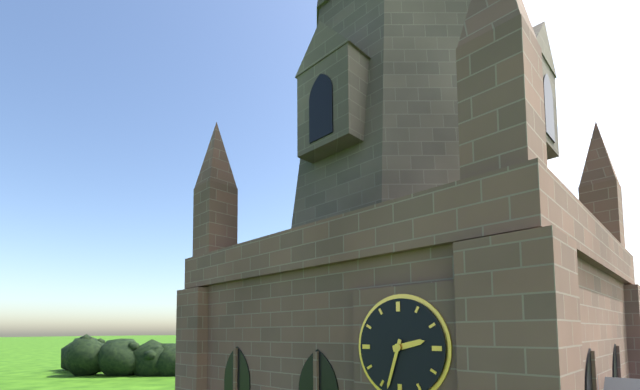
2:33
